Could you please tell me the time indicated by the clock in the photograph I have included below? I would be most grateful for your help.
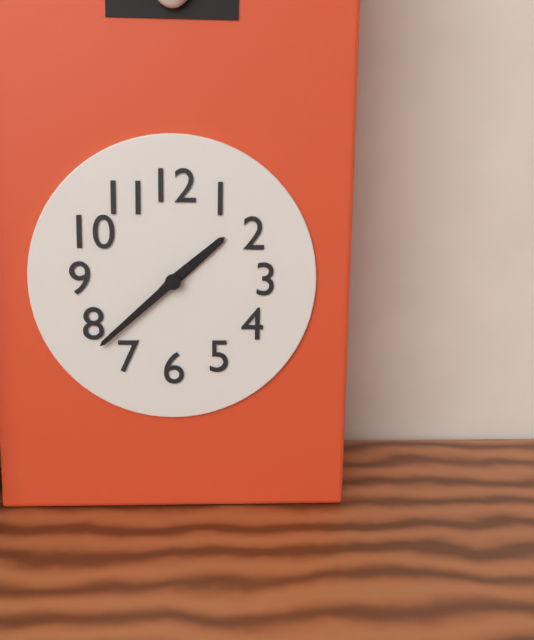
1:38
